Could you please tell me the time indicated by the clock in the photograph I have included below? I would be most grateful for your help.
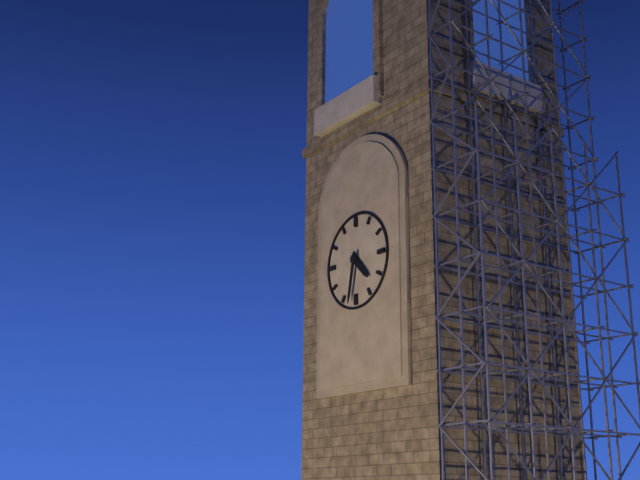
4:32
